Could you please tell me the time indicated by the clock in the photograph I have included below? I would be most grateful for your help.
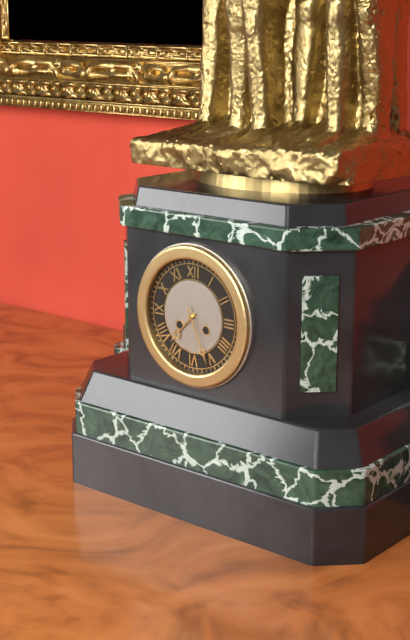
7:26
